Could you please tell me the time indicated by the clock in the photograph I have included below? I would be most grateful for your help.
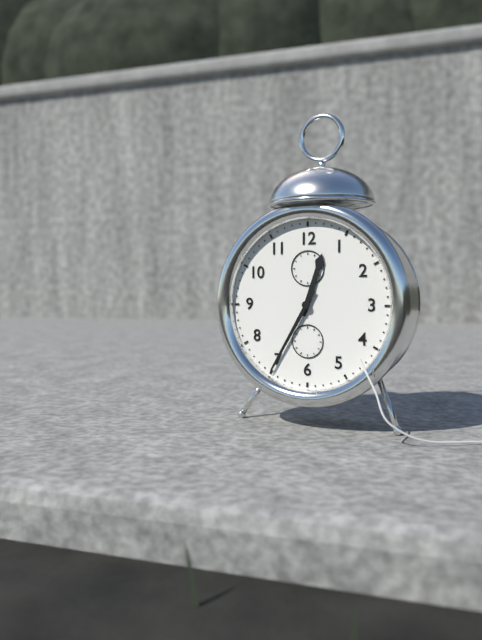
12:35
